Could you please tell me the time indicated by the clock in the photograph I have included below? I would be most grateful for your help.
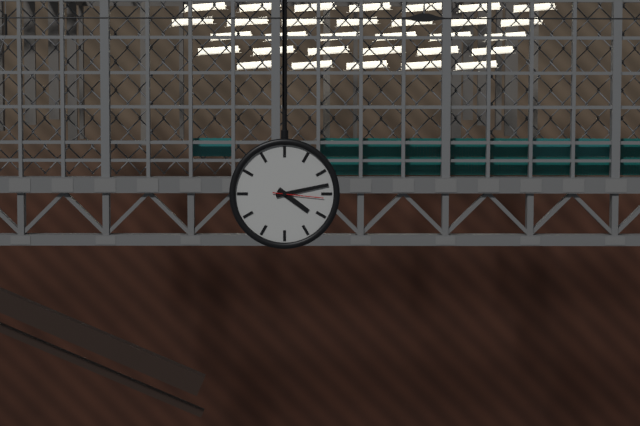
4:13
